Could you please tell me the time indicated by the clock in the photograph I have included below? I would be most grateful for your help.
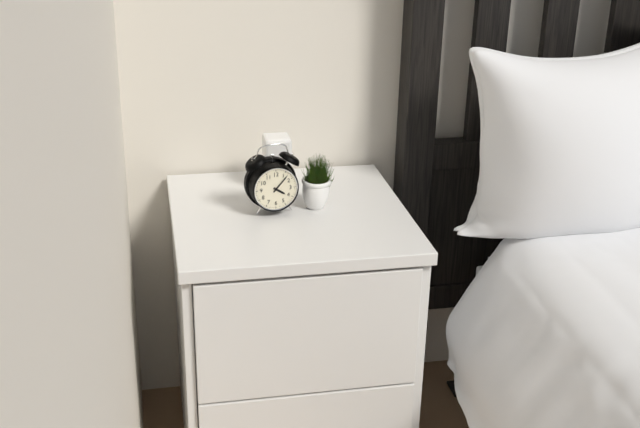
4:07
